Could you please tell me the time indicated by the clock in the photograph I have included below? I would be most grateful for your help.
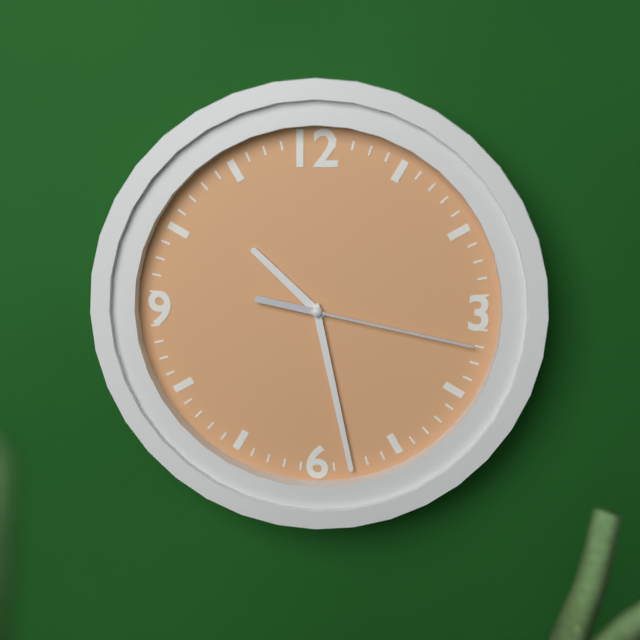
10:28:17
